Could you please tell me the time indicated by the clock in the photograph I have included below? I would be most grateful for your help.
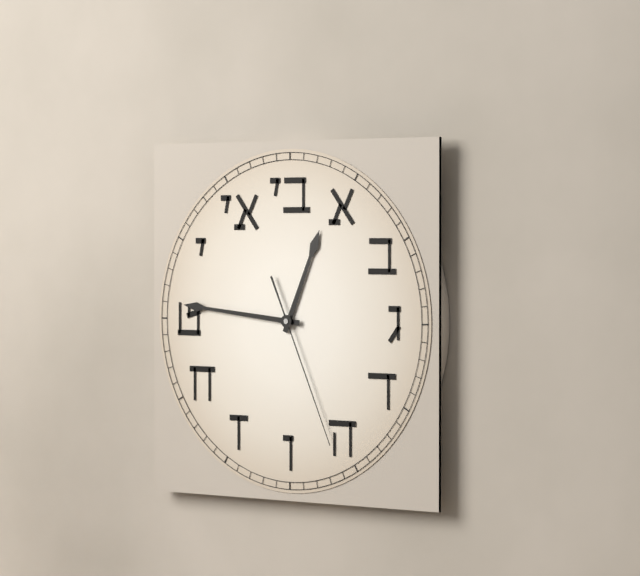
12:46:26
